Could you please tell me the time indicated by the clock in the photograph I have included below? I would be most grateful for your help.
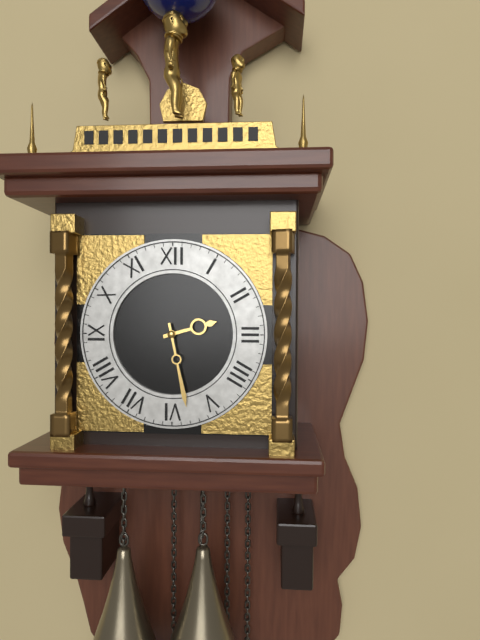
2:28
